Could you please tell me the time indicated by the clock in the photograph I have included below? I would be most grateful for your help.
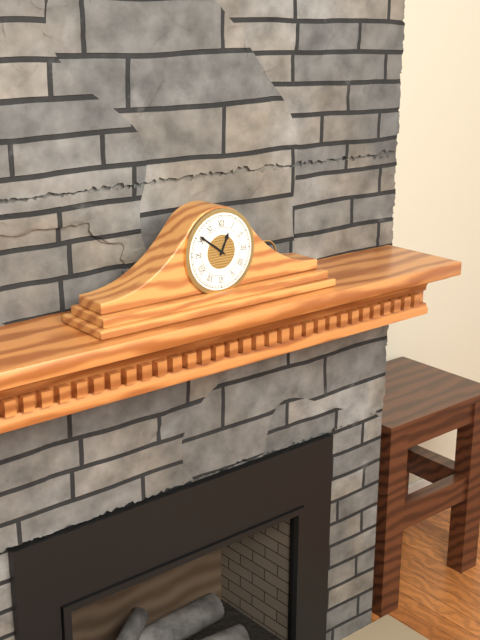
12:51
